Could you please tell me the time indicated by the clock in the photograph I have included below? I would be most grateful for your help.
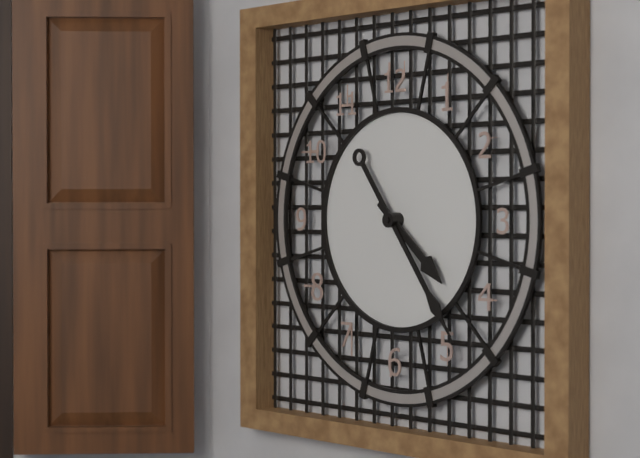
4:24
